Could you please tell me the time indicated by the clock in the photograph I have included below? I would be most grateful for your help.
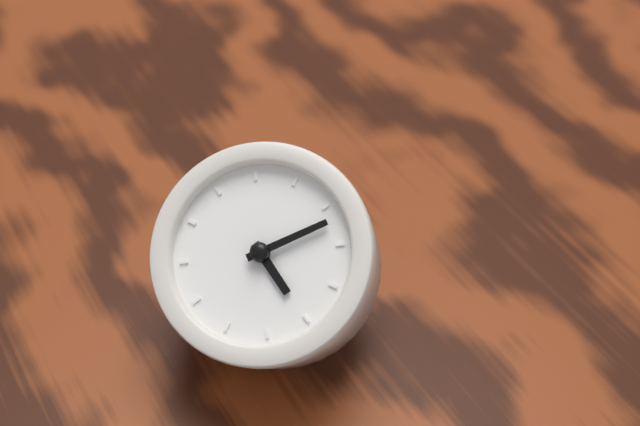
3:02
